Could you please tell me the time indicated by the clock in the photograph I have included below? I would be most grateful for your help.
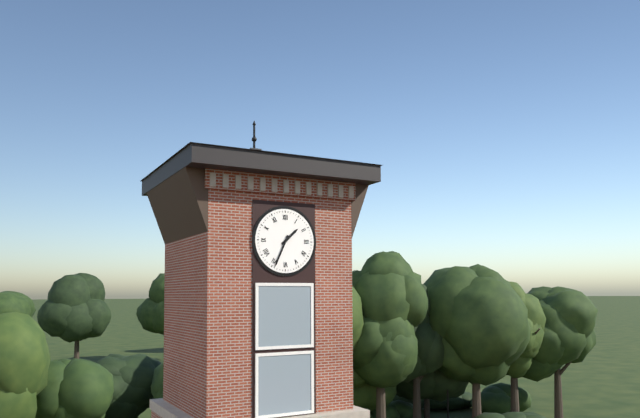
1:34
